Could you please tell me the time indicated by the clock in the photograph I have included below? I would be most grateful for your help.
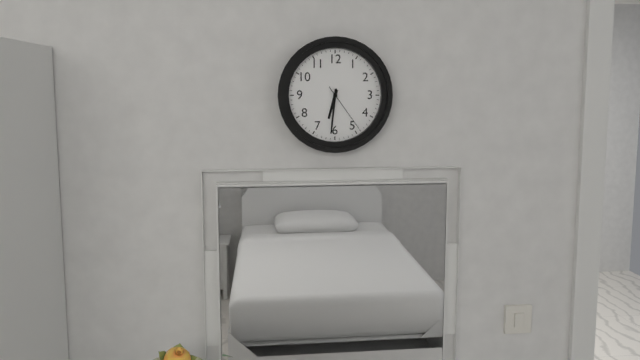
6:31:24
